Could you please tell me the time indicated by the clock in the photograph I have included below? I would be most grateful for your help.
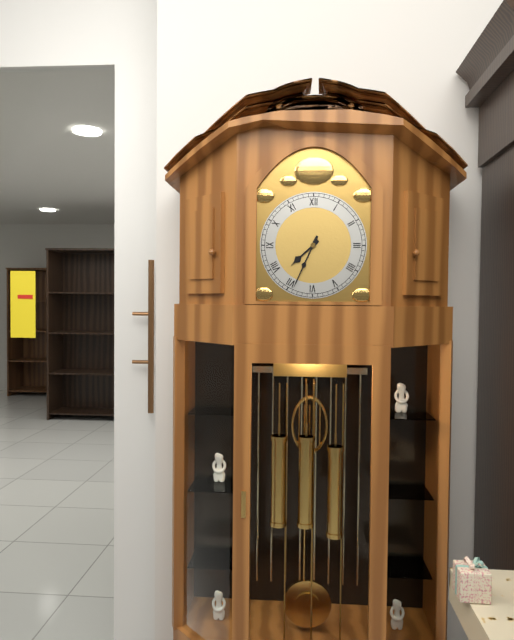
7:34
